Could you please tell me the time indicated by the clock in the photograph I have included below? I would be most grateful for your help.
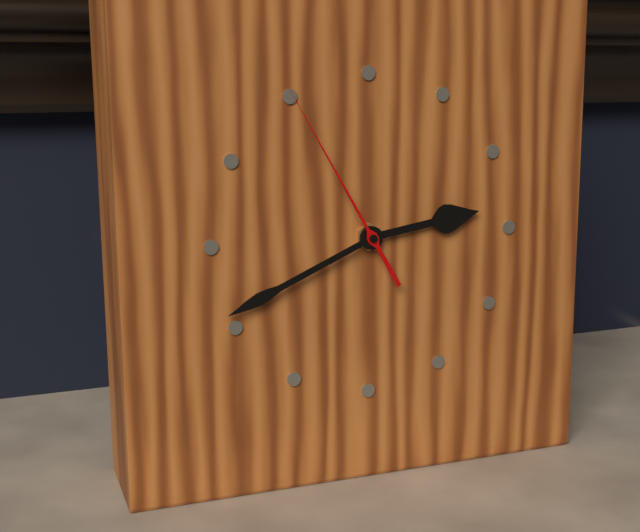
2:41:55
